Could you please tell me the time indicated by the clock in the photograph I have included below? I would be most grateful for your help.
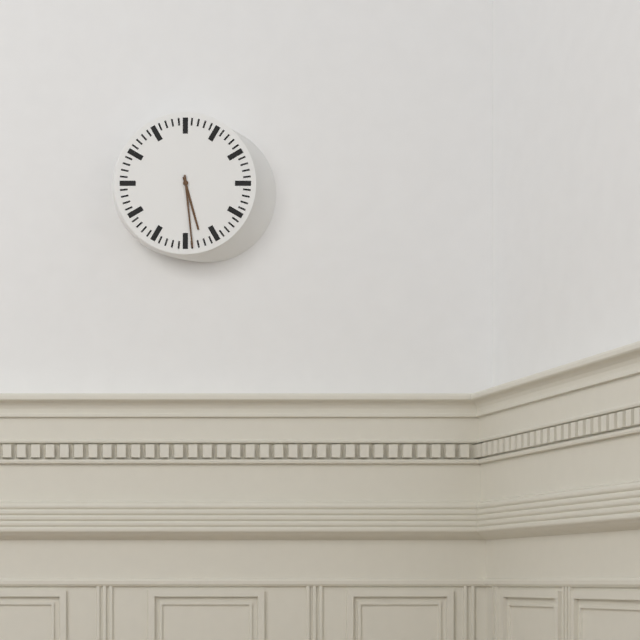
5:29
